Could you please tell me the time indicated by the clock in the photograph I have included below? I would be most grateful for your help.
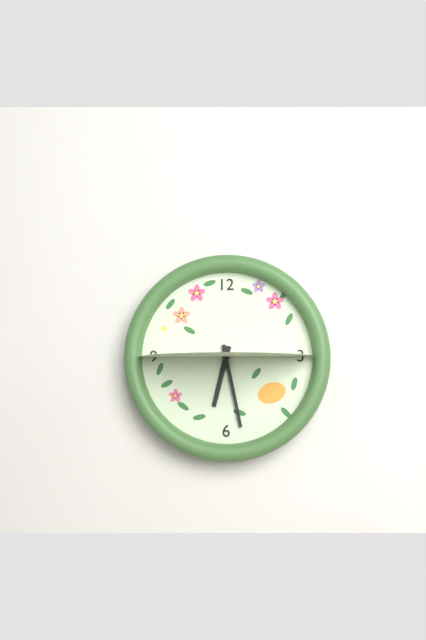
6:28
